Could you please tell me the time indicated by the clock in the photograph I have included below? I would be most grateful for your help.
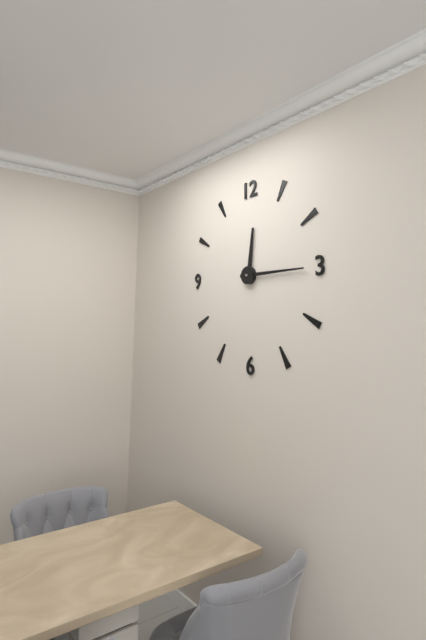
12:15
